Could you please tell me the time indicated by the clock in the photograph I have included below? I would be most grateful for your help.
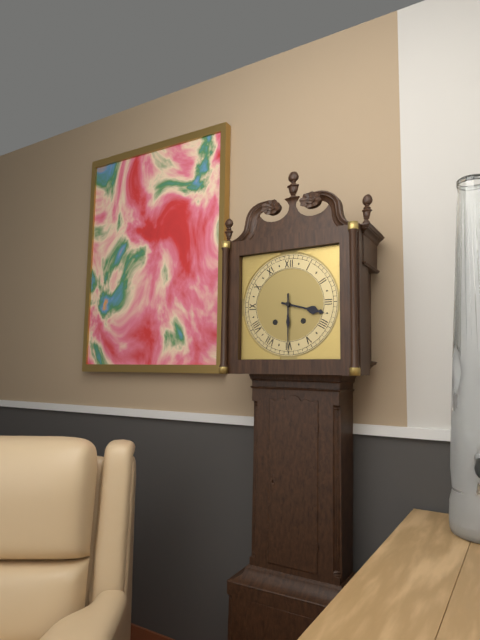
3:30
